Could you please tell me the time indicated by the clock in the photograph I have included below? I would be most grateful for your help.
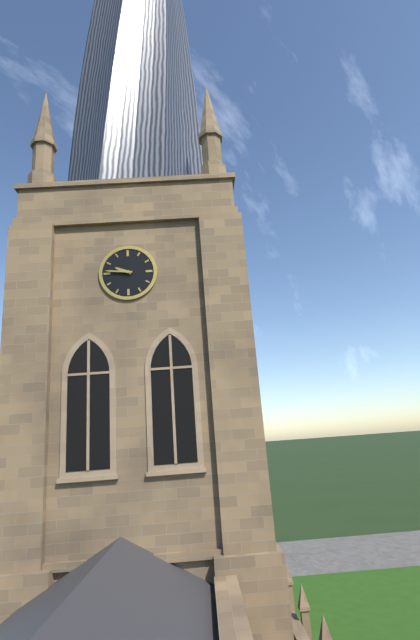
9:46
